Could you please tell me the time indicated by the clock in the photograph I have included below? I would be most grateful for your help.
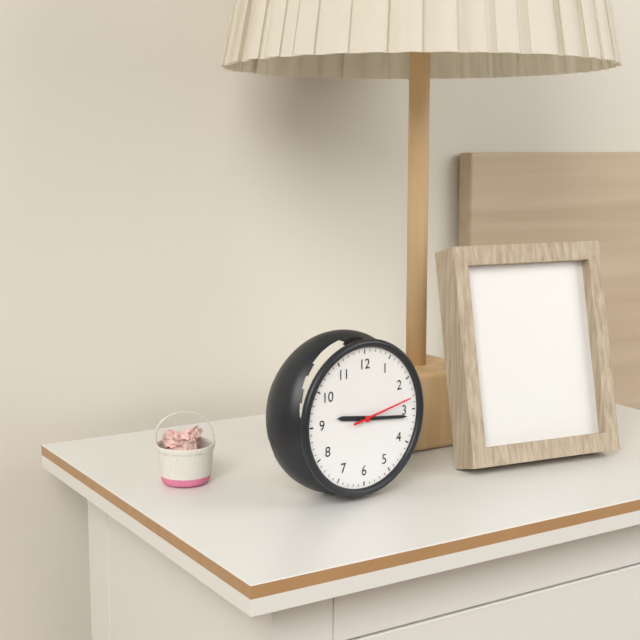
9:16:13
